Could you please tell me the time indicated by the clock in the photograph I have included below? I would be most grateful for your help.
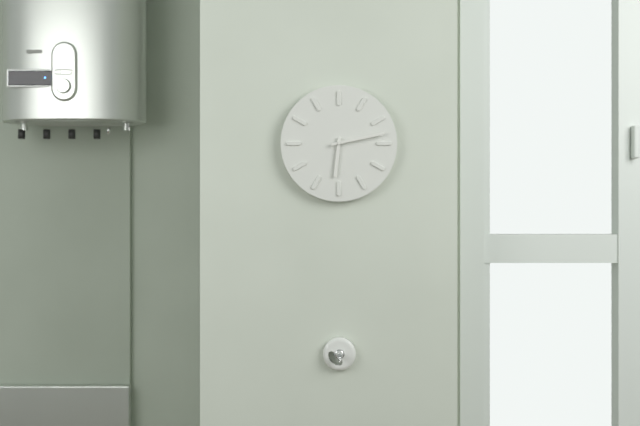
6:13
